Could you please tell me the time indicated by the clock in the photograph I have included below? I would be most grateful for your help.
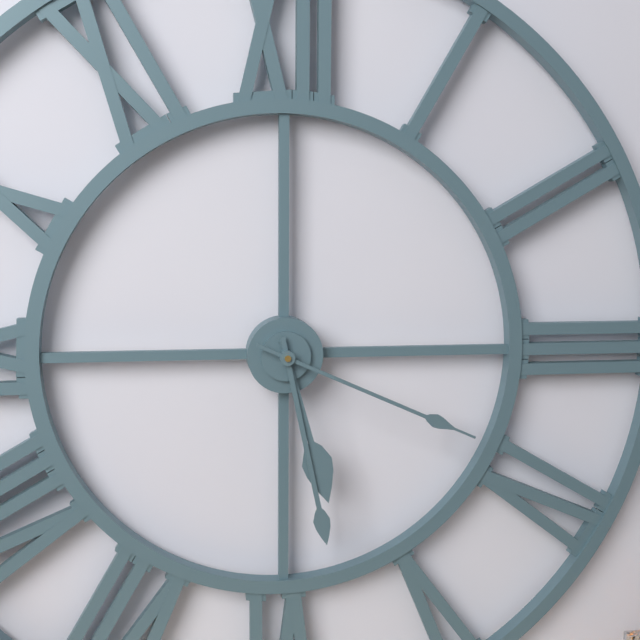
5:28:19
